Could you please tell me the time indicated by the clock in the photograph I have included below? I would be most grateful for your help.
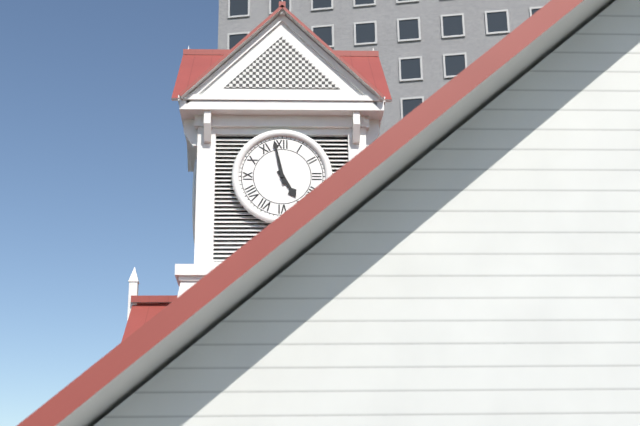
4:58
